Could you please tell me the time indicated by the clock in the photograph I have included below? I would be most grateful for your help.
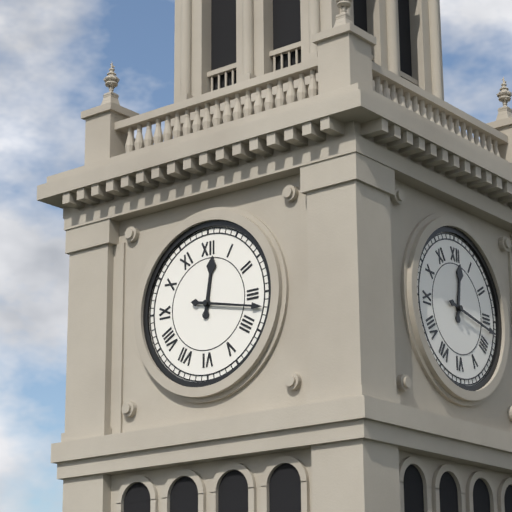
12:17
